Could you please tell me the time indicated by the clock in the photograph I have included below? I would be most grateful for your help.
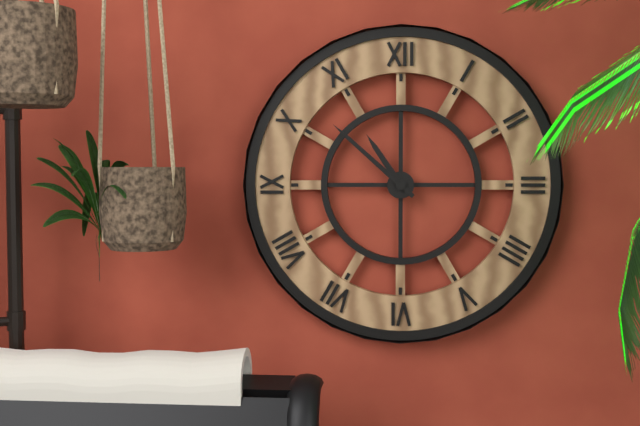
10:52
